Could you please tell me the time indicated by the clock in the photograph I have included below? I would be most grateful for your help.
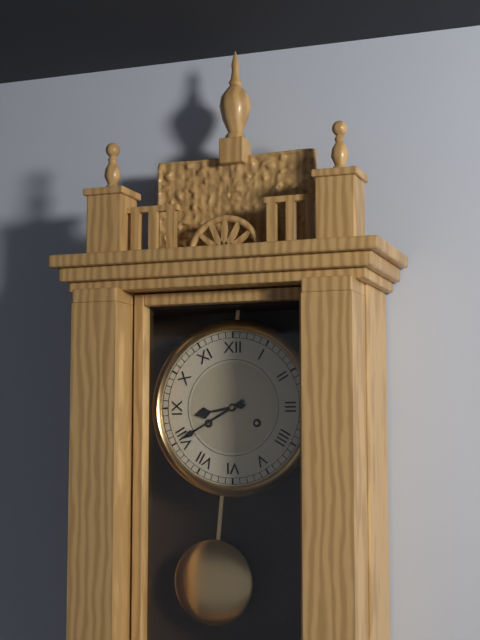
8:40
